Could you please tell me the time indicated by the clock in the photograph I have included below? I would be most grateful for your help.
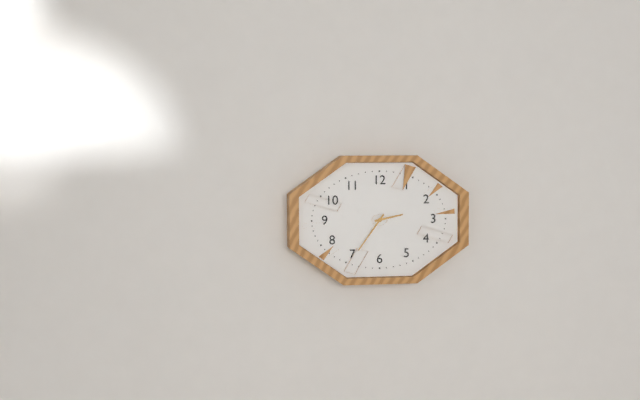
2:36
